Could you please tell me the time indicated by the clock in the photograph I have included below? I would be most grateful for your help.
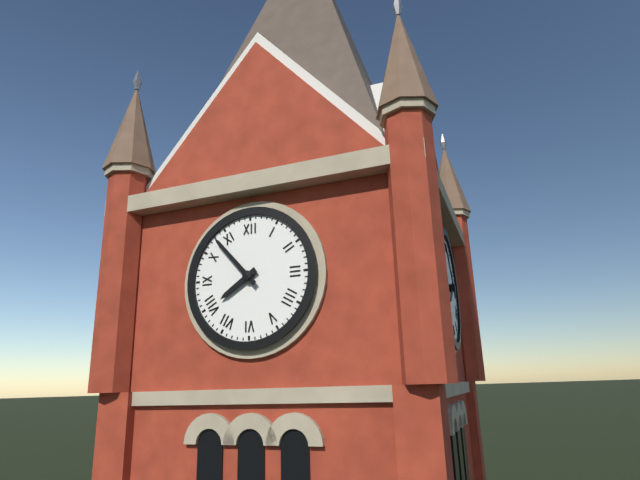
7:53
